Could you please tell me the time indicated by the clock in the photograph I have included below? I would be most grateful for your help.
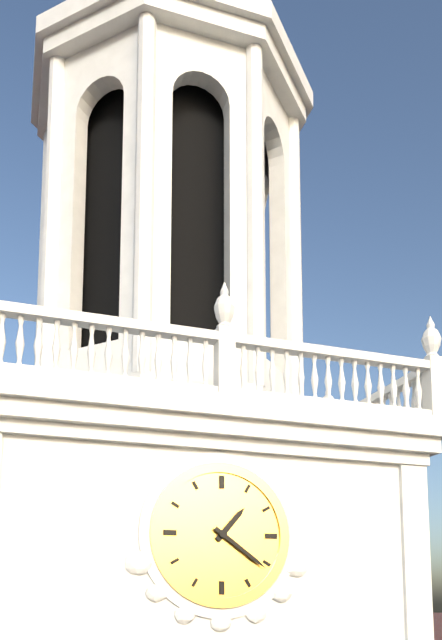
1:21
